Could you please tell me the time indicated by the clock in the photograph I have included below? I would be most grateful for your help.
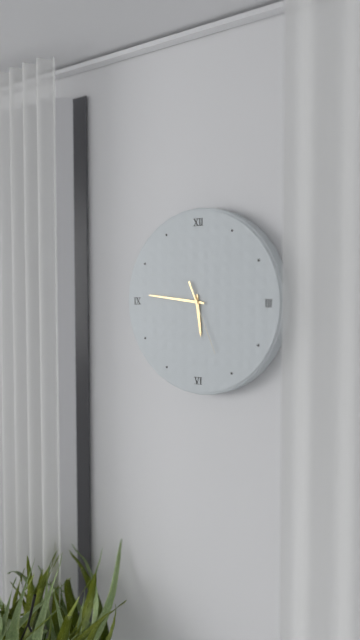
5:46:26
